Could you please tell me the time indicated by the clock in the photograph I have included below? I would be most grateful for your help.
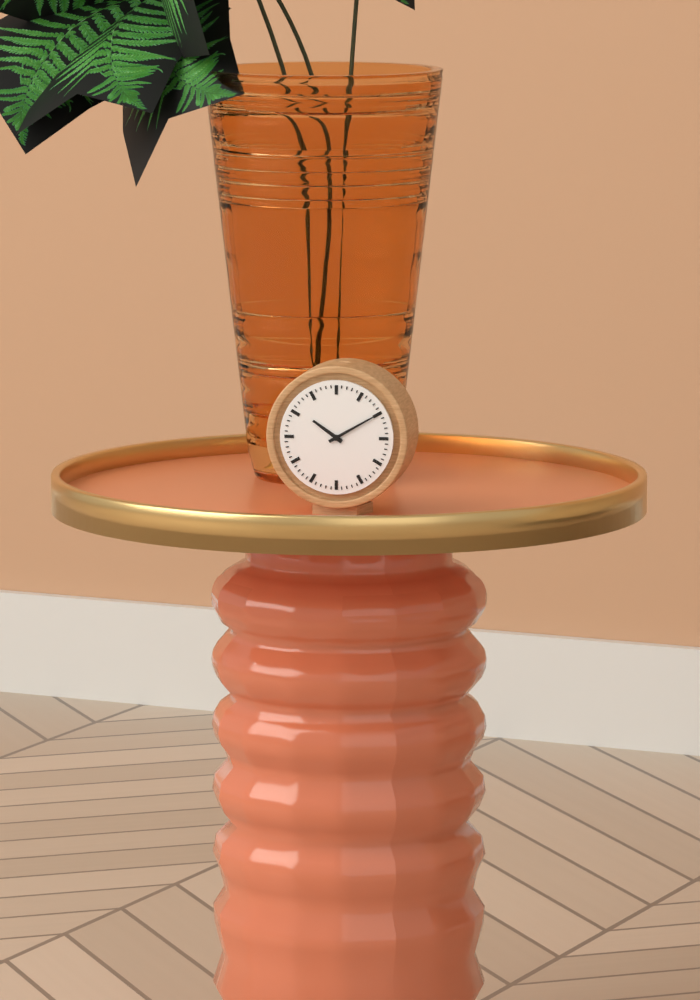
10:10
